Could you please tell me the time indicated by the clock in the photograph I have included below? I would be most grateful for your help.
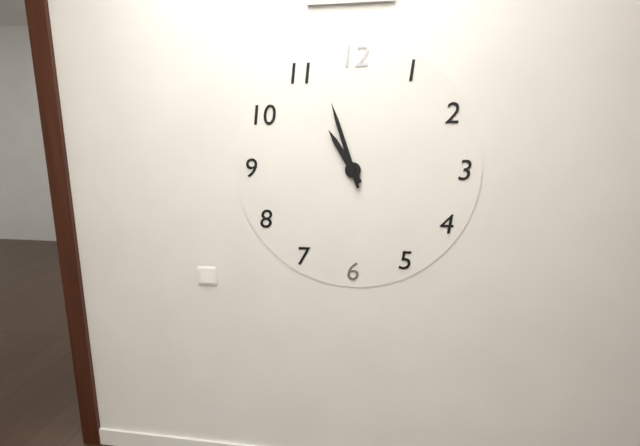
10:57
